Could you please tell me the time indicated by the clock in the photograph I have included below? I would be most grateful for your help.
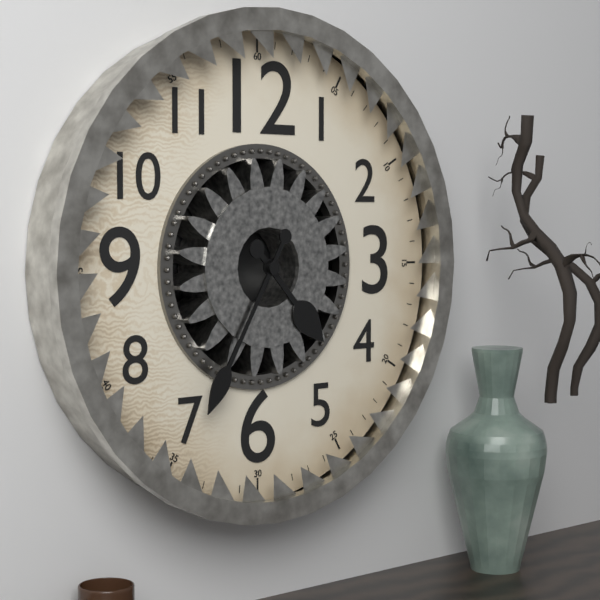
4:35
